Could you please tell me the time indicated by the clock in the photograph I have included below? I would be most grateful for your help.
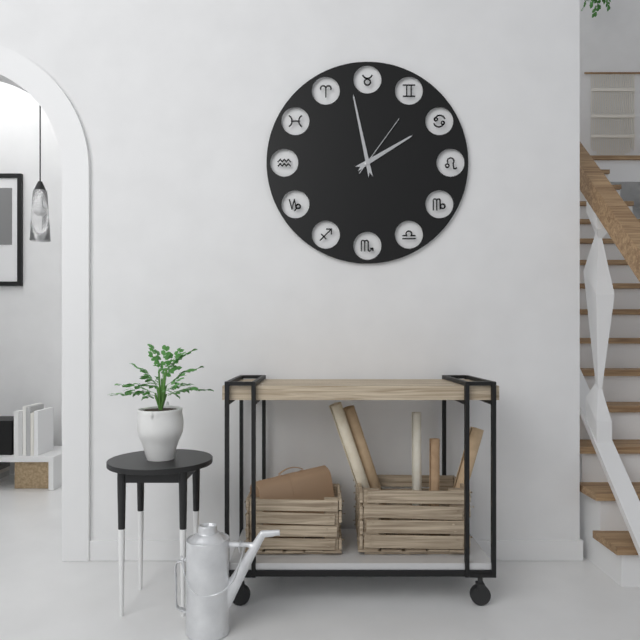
1:58:06
